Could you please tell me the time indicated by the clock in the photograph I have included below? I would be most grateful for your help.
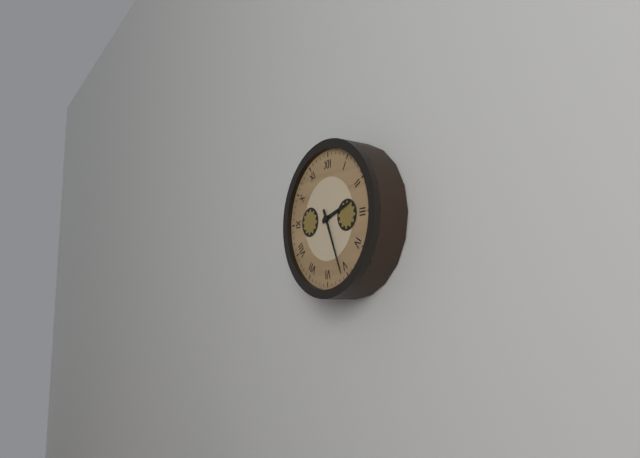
2:26
